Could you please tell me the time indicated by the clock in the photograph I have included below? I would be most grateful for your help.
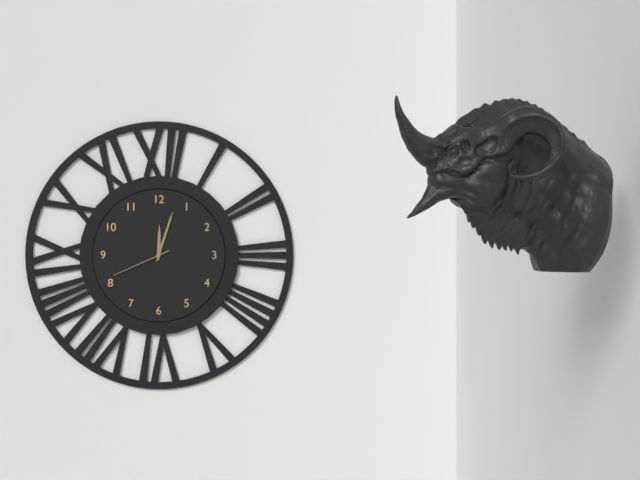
12:03:41
